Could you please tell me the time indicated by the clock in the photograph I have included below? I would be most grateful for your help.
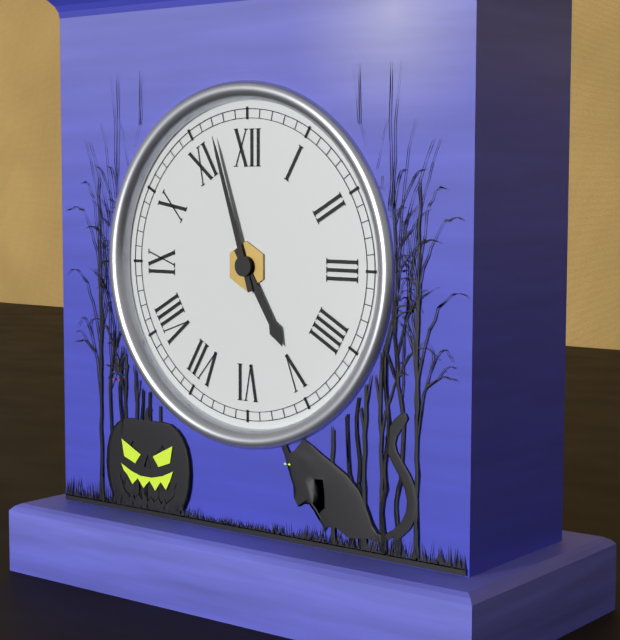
4:57
